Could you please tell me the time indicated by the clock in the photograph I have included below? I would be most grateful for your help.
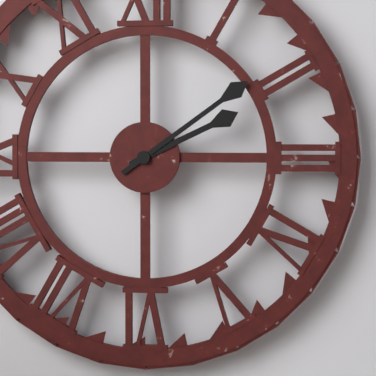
2:09
